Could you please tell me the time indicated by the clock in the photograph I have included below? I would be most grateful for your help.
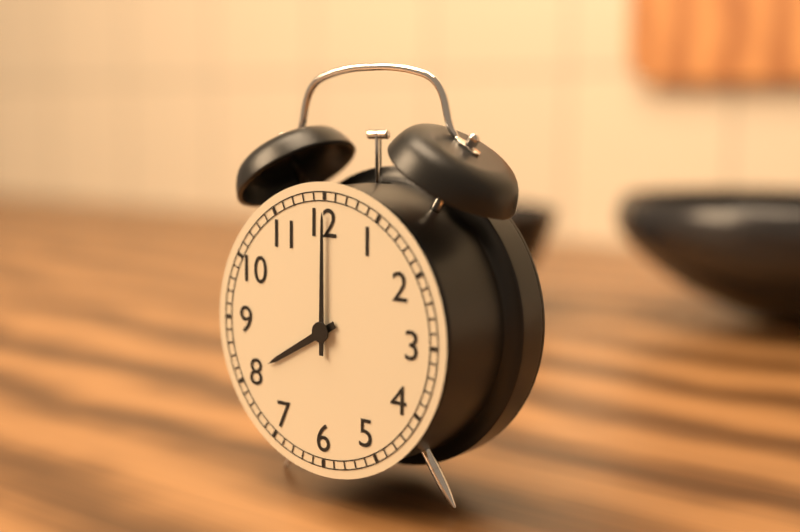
8:00
